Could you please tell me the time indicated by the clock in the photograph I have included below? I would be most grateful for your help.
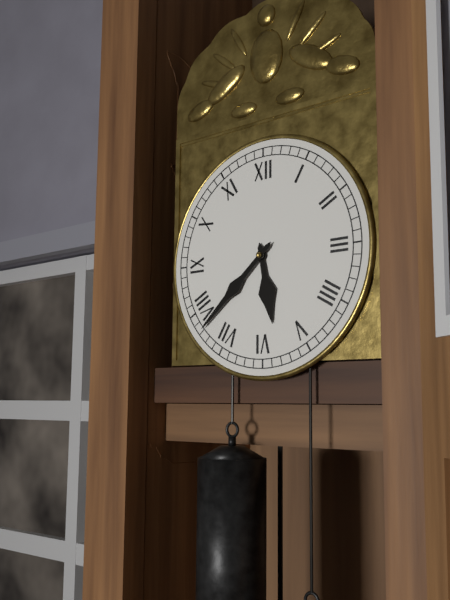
5:38
